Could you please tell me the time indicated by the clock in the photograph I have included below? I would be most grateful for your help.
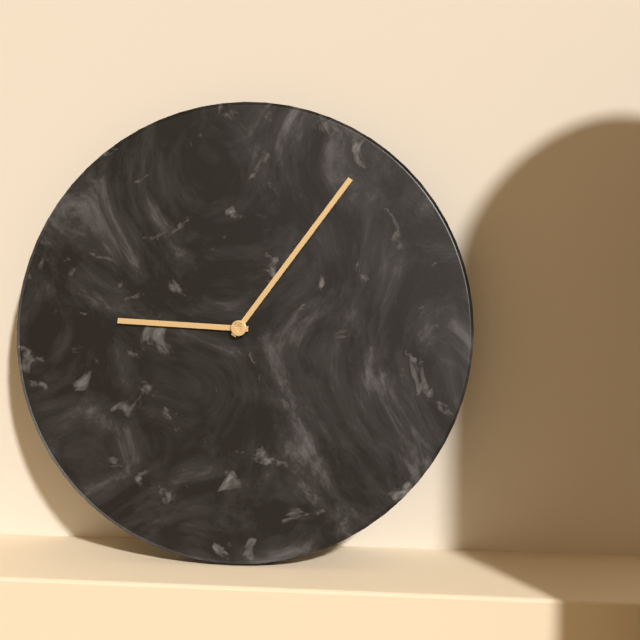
9:06
